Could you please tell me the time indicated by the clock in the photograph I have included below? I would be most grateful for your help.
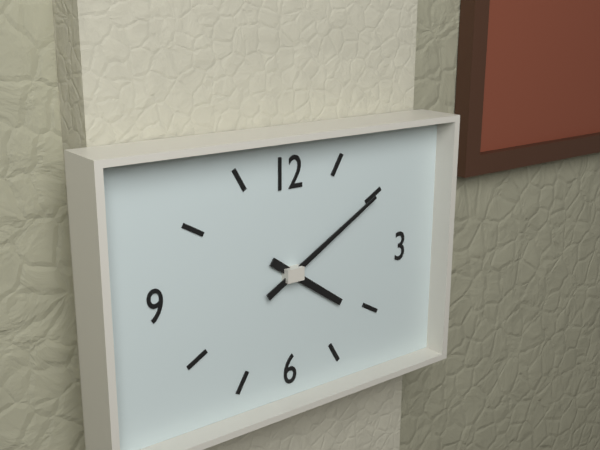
4:10
